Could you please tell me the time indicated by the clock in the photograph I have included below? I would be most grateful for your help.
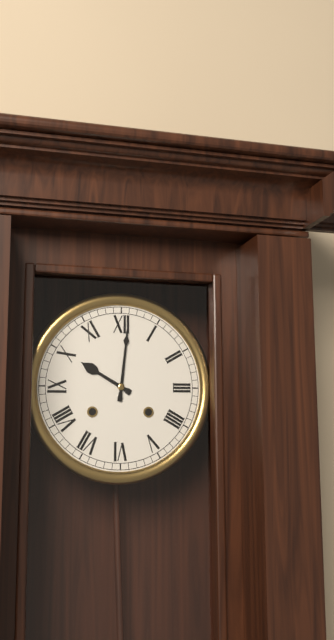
10:01
